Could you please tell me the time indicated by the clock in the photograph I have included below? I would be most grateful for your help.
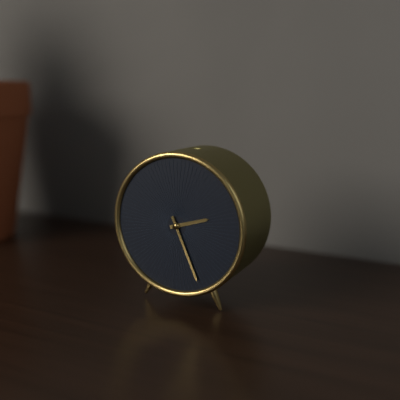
2:26
